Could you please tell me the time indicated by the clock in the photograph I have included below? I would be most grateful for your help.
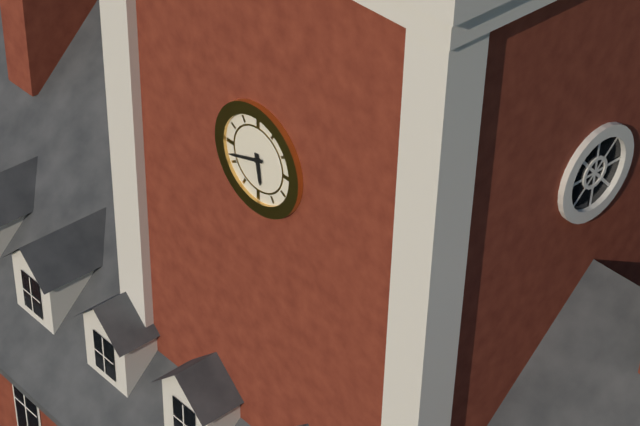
5:42
